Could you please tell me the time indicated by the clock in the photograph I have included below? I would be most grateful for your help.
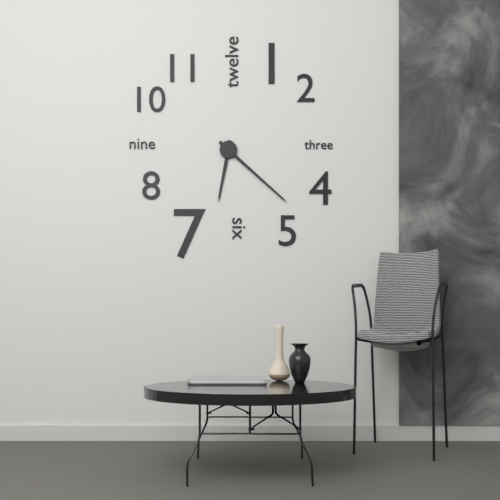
6:22
